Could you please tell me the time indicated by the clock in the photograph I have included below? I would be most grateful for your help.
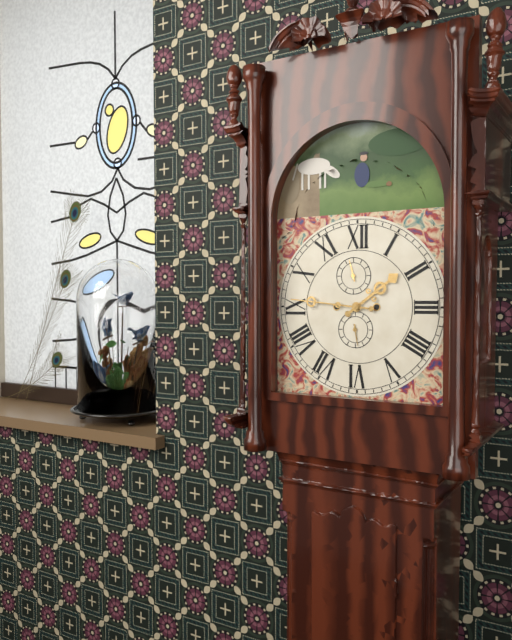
1:46
